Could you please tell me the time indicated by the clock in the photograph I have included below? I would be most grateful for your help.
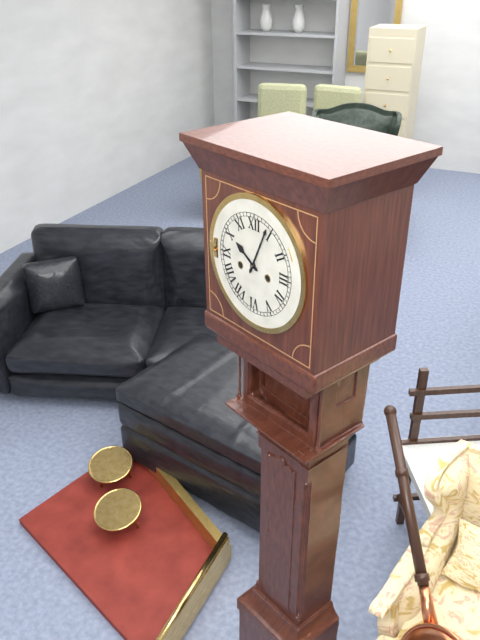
10:04
